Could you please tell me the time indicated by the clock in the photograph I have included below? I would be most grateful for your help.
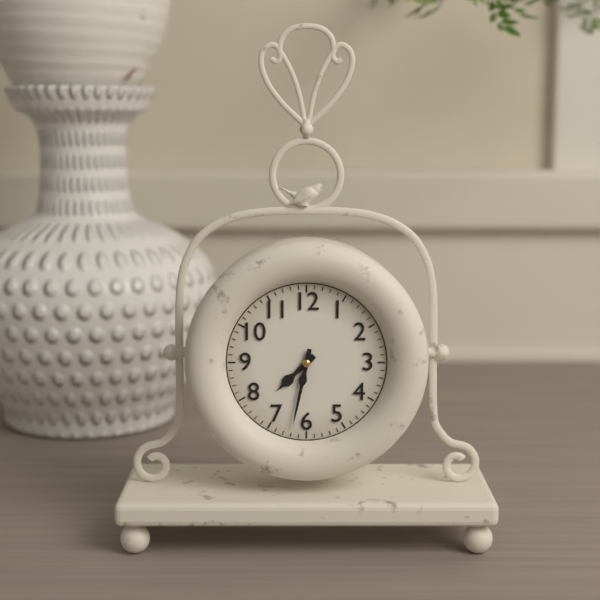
7:32
